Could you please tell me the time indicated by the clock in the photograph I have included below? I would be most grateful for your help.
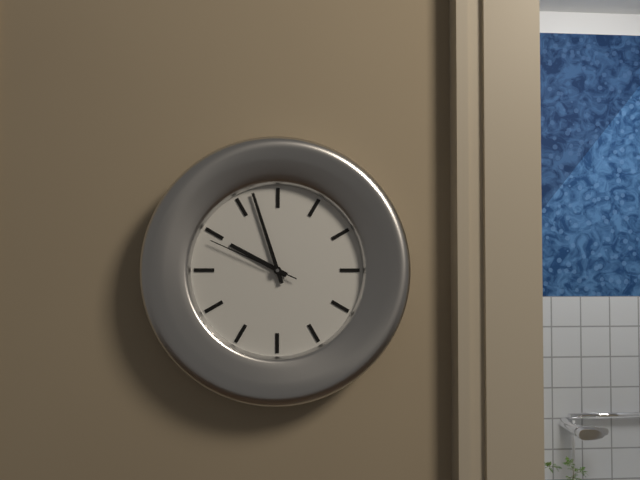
9:57:49
